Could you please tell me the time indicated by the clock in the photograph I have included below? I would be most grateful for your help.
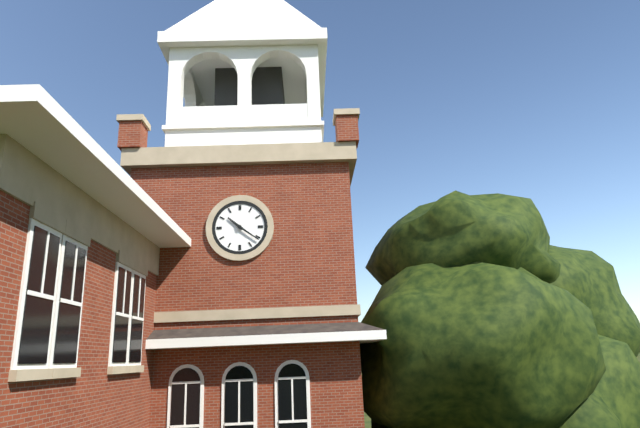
10:21
